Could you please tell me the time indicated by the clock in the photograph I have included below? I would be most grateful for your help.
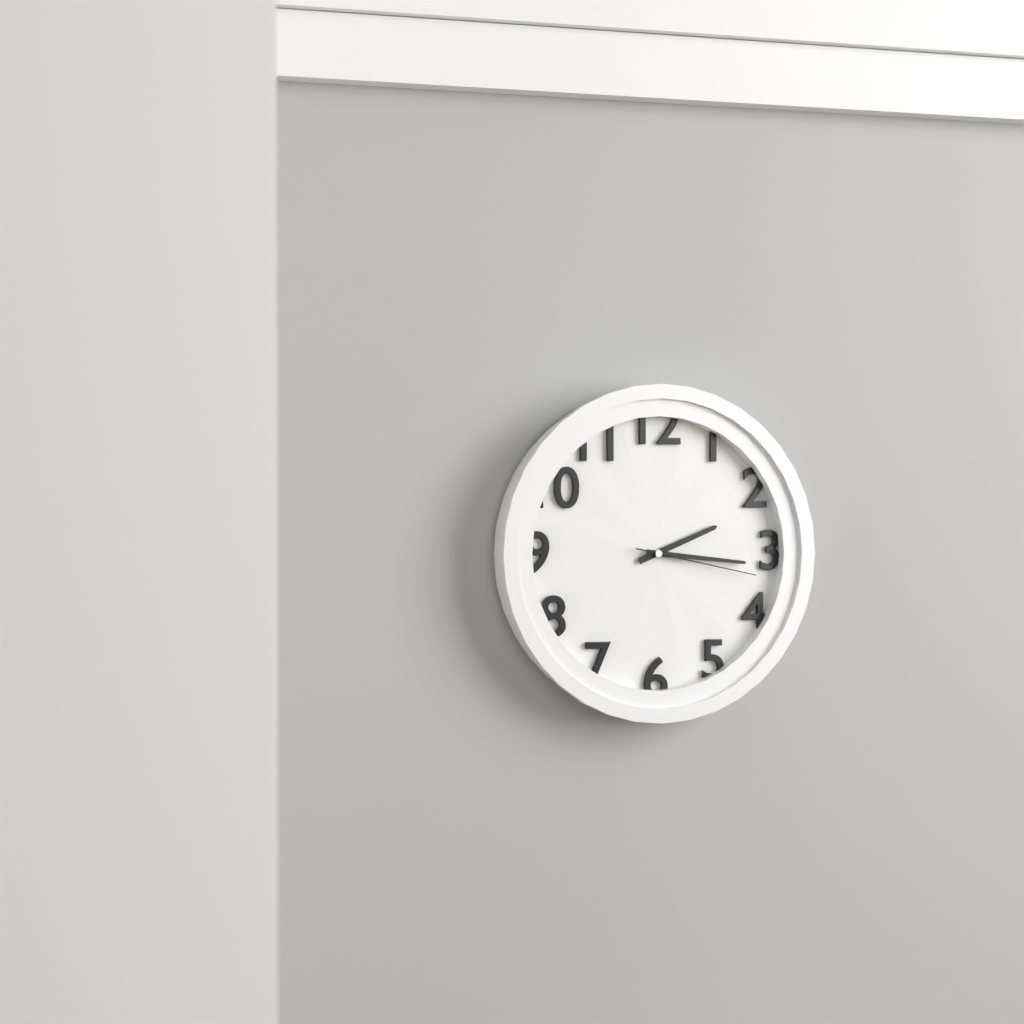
2:16:17
